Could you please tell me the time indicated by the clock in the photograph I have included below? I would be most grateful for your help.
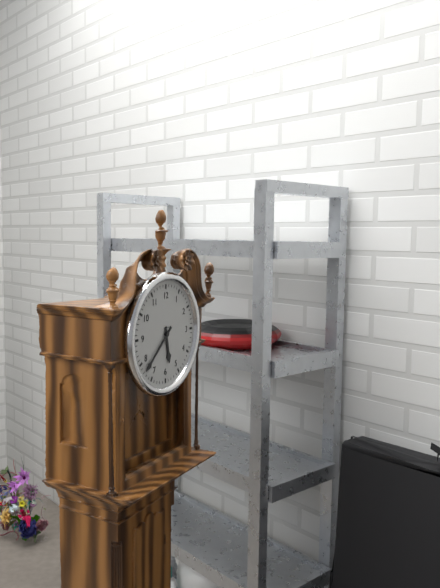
5:38
